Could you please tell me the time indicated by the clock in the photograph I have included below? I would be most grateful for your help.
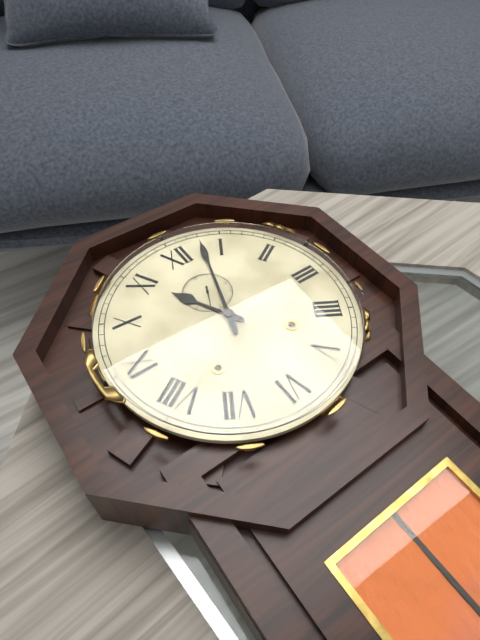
11:03
